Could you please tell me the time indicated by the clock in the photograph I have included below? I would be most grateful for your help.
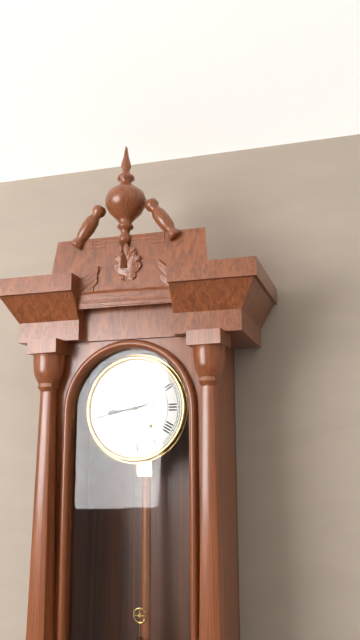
8:43
